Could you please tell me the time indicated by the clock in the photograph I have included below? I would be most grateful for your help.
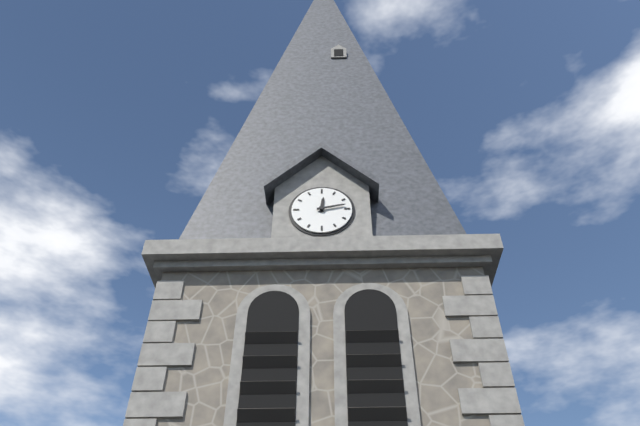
12:13
